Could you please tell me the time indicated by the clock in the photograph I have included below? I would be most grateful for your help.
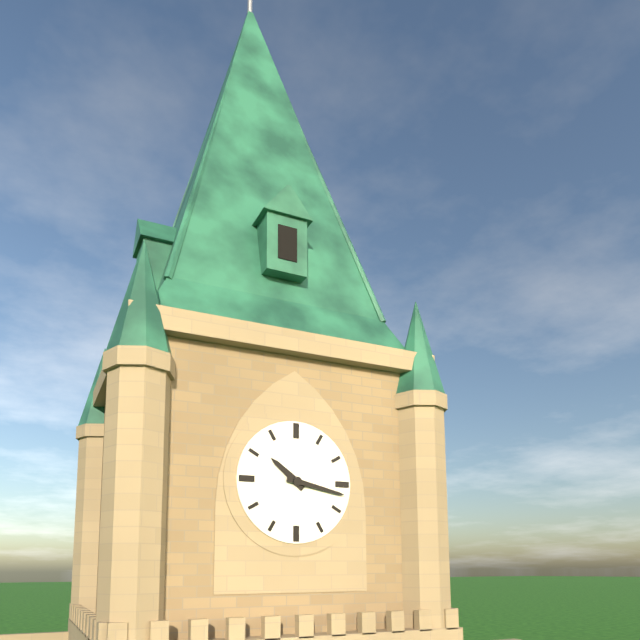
10:17
